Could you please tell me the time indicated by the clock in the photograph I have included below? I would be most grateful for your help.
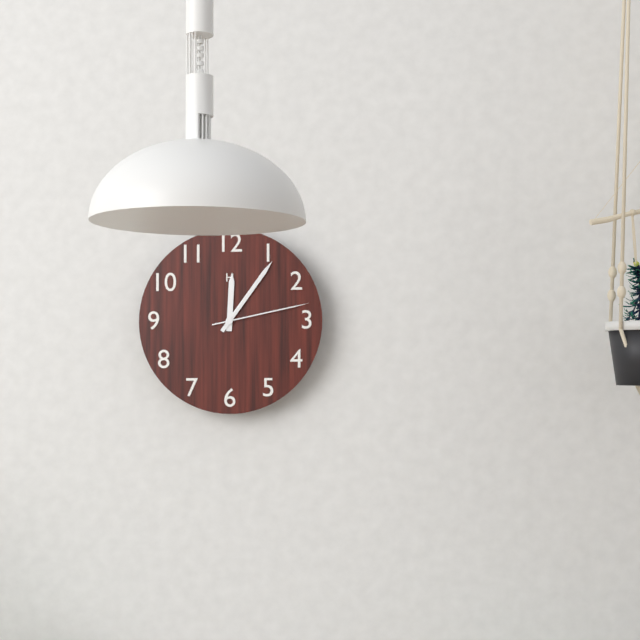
12:06:13
